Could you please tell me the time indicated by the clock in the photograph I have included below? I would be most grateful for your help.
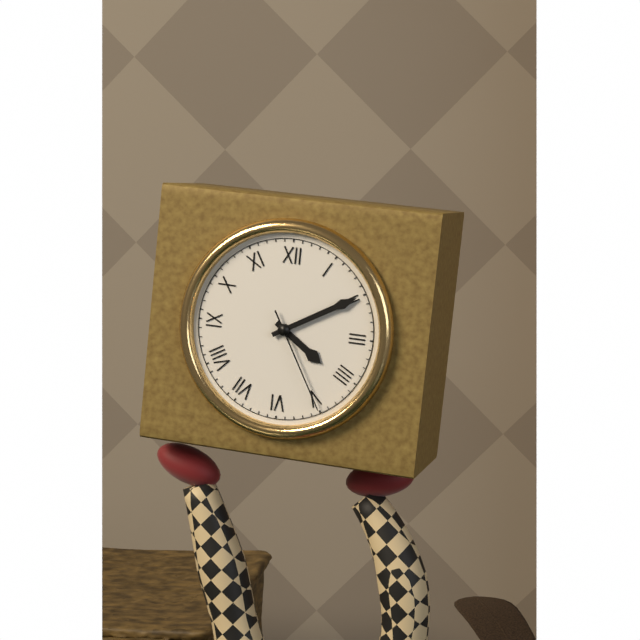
4:10:25
